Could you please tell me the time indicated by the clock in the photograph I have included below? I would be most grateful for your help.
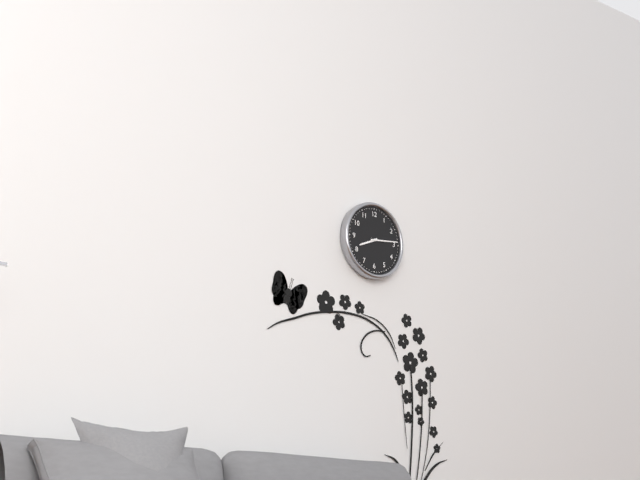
8:14
